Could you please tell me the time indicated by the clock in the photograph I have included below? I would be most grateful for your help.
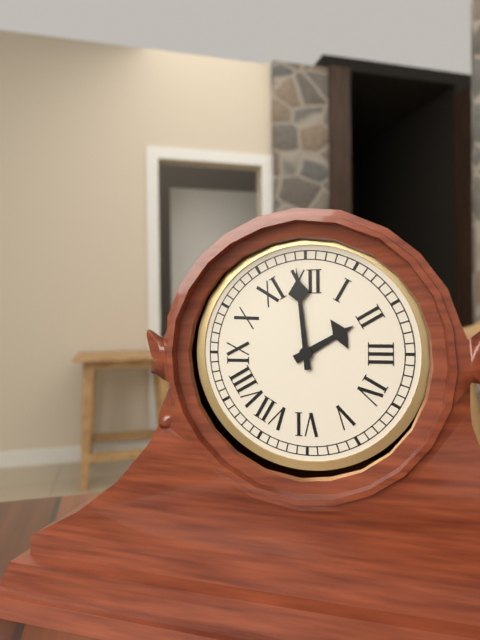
1:59
